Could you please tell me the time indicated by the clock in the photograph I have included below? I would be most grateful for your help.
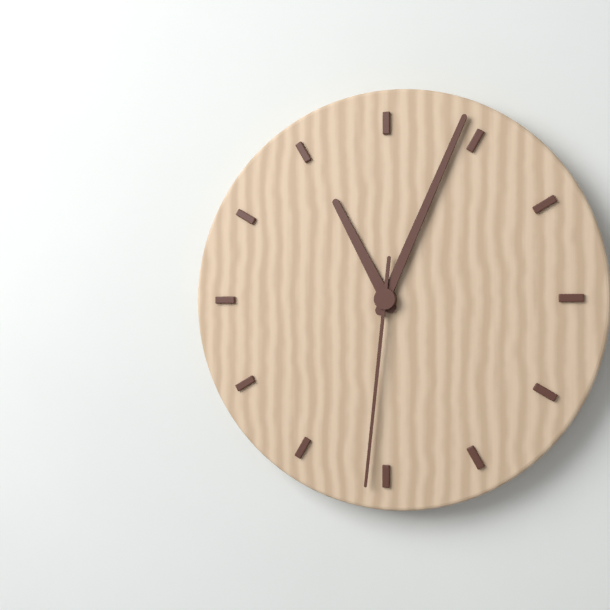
11:04:31
